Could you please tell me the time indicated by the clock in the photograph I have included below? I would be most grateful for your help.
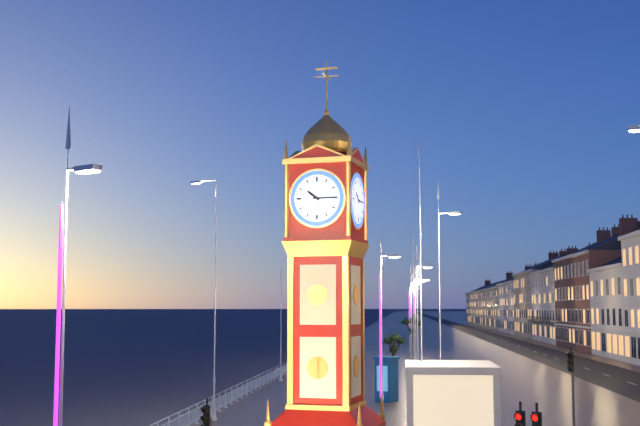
10:15
